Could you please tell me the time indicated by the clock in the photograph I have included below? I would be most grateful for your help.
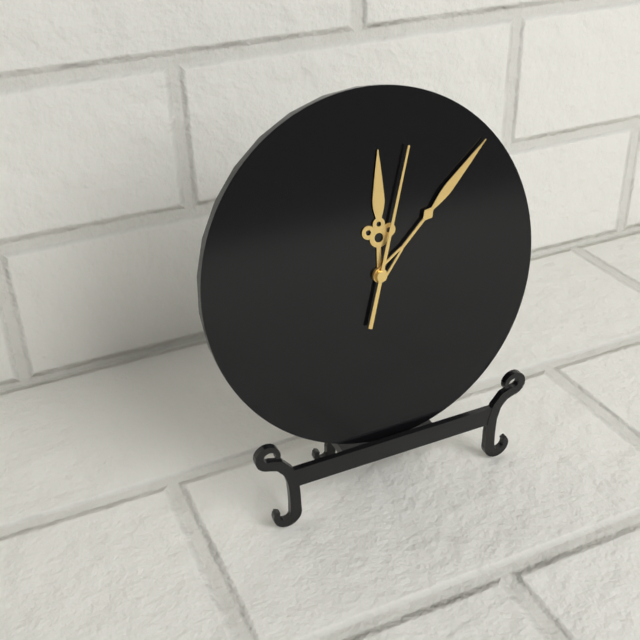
12:08:03
